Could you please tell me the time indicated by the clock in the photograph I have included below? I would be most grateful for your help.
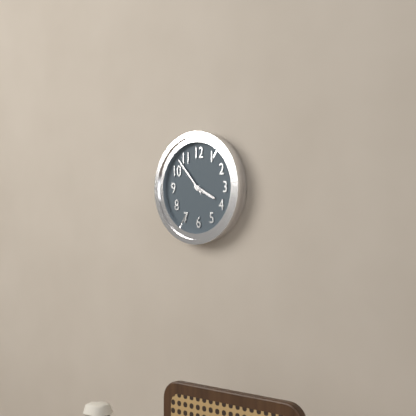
3:53
